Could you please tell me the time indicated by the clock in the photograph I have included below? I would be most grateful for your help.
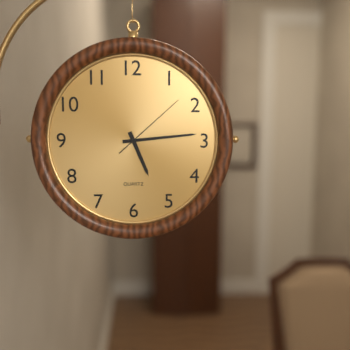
5:14:08
